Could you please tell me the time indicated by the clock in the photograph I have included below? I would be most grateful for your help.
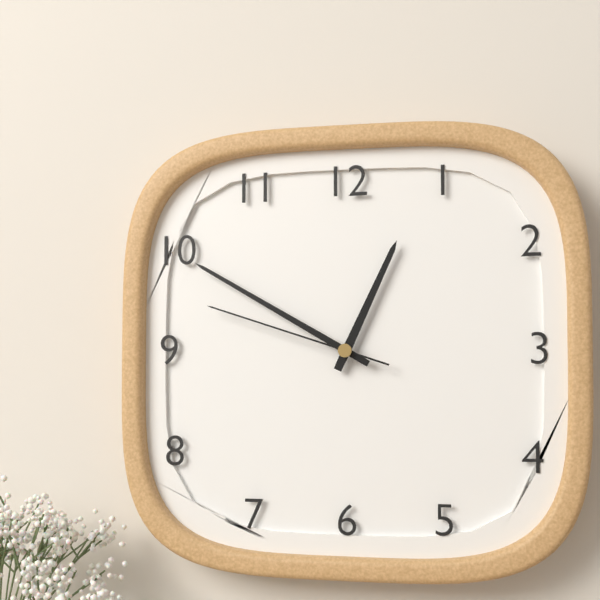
12:50:48
